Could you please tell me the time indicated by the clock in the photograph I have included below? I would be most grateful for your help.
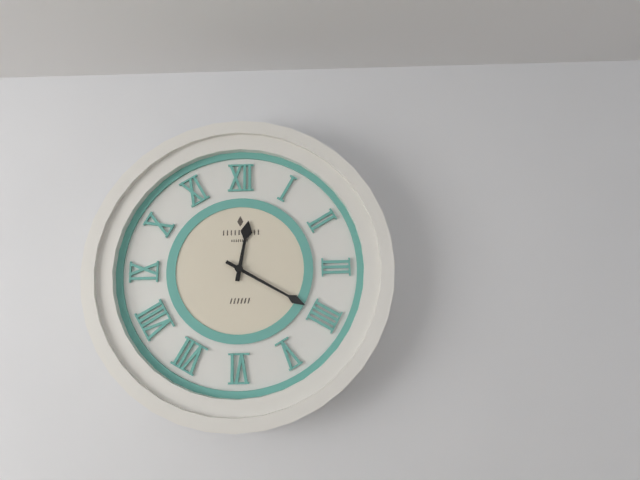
12:20
